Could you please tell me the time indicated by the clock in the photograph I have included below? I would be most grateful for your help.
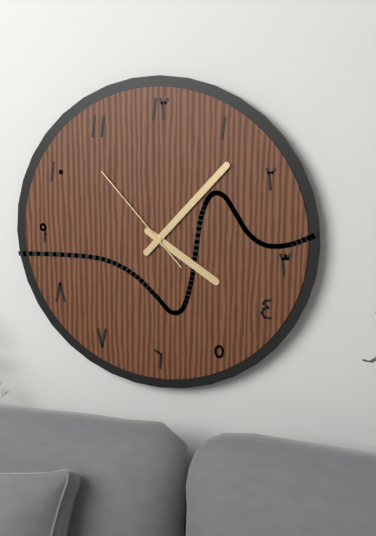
4:07:53
